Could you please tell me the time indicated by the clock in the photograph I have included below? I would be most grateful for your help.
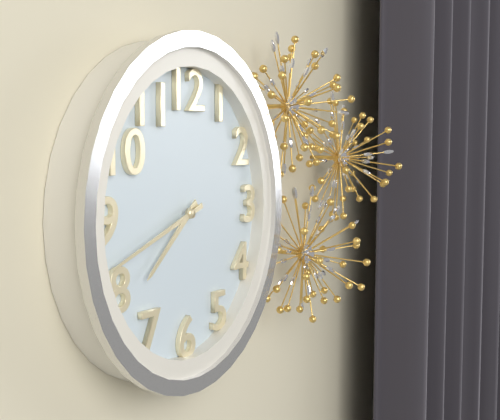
7:42
